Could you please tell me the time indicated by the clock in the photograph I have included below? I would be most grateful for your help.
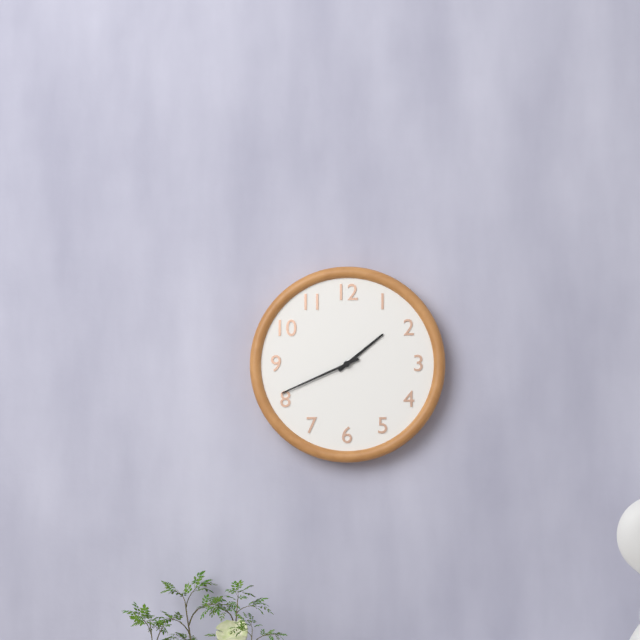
1:41
